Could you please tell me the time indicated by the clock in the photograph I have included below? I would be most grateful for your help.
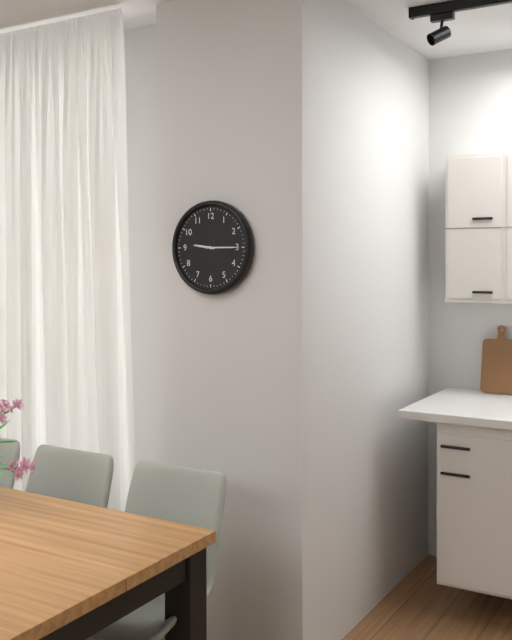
9:15
